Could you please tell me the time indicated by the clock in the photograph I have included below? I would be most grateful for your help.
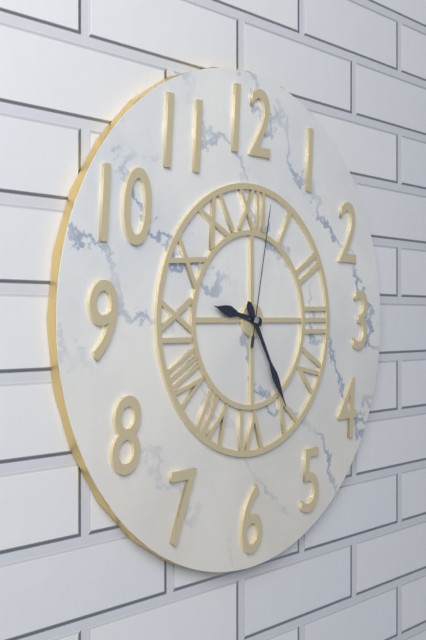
9:25:02
